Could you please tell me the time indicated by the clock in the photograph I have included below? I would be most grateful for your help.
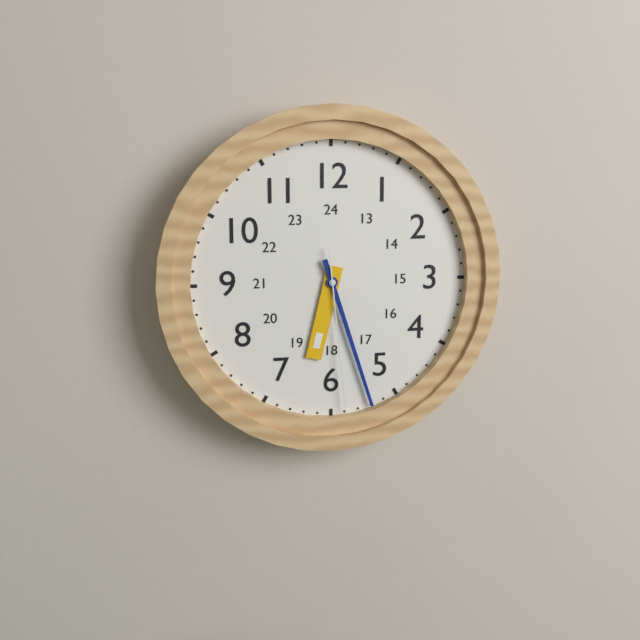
6:27:29
